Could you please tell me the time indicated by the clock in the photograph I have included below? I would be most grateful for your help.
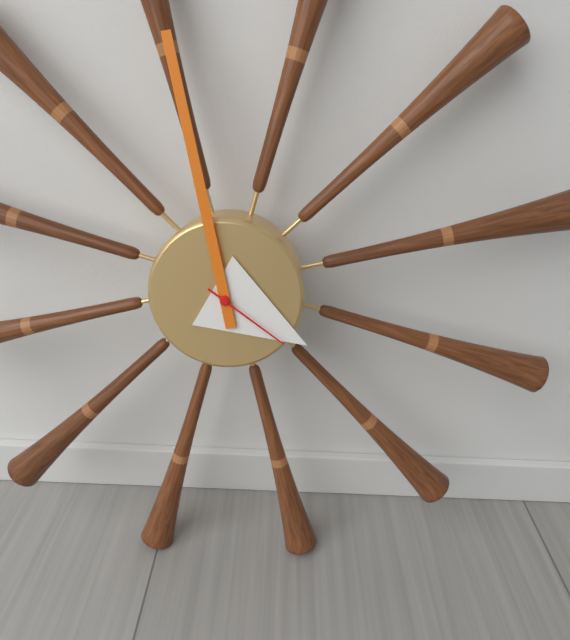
3:58:21
